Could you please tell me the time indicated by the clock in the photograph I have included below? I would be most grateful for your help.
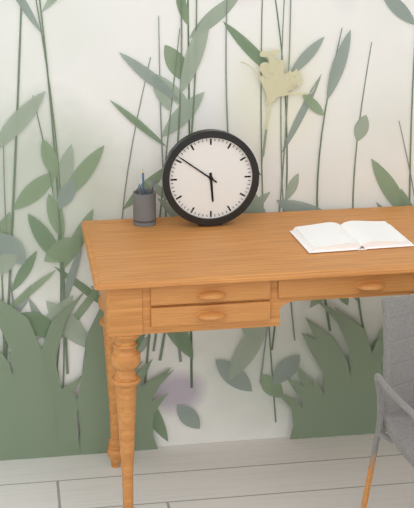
5:51
